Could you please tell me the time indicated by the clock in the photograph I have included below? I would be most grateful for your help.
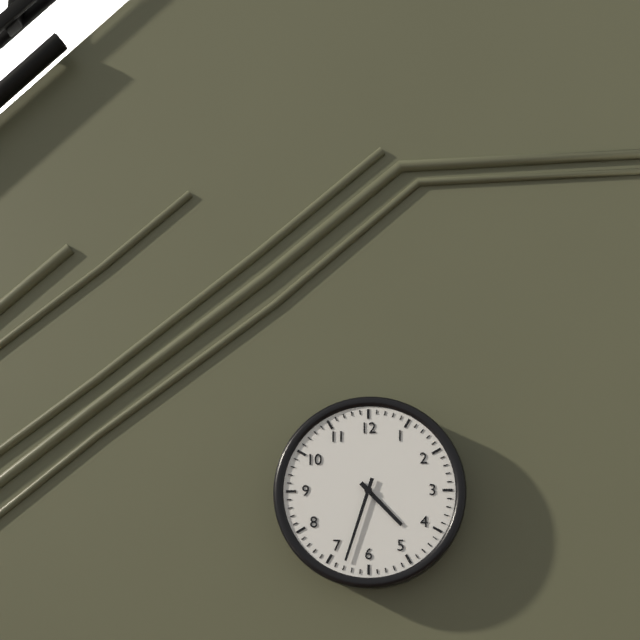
4:33
